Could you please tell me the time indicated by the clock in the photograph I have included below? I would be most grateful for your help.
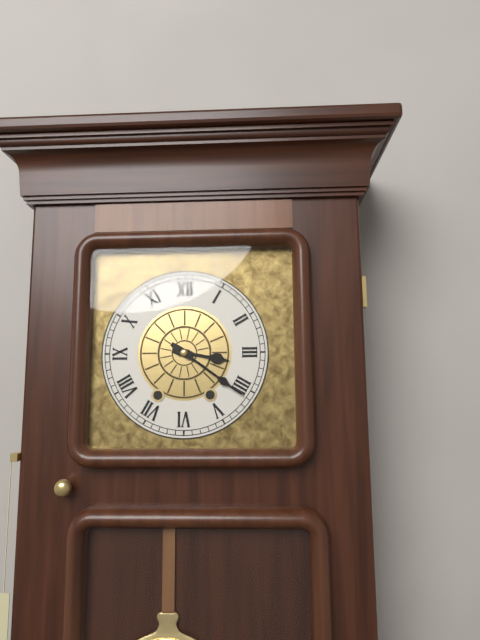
3:21
